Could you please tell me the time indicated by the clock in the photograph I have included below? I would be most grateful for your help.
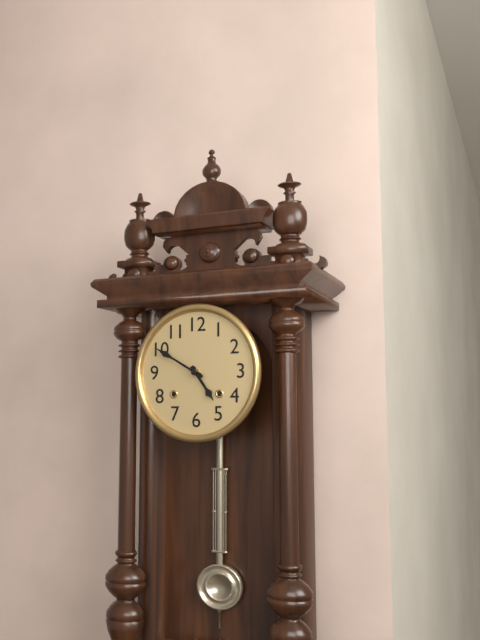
4:50
